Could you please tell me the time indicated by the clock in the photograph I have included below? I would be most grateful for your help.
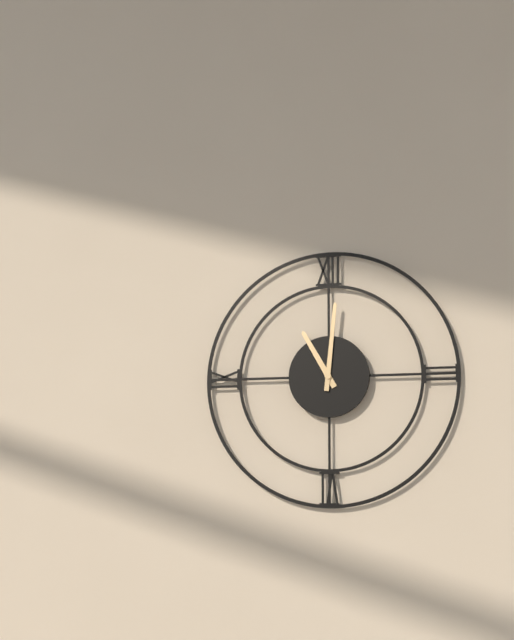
11:01
